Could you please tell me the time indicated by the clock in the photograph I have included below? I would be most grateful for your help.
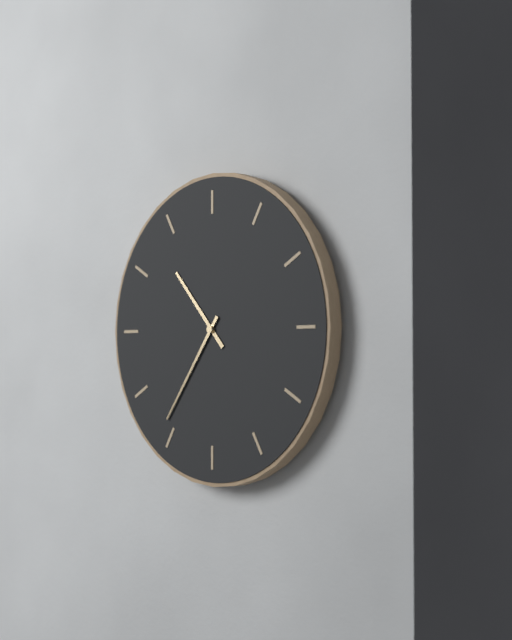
10:36
